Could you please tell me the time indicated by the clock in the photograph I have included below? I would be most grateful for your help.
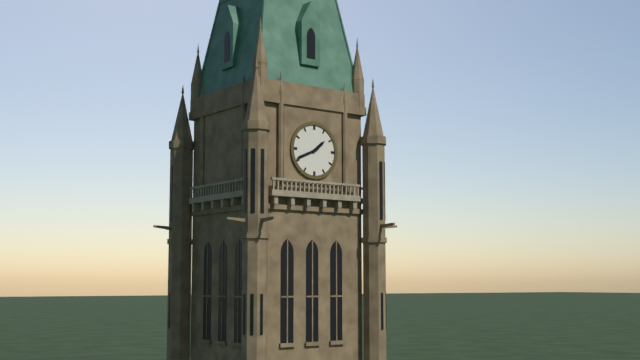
1:41
